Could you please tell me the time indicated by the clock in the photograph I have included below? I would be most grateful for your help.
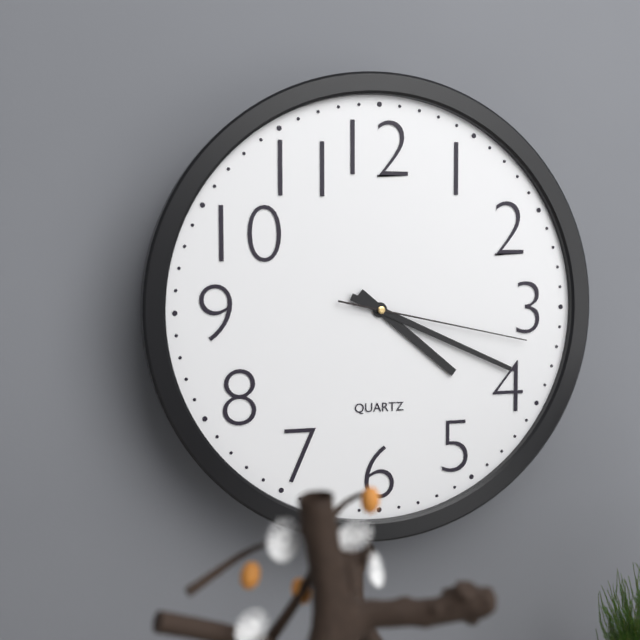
4:19:17
